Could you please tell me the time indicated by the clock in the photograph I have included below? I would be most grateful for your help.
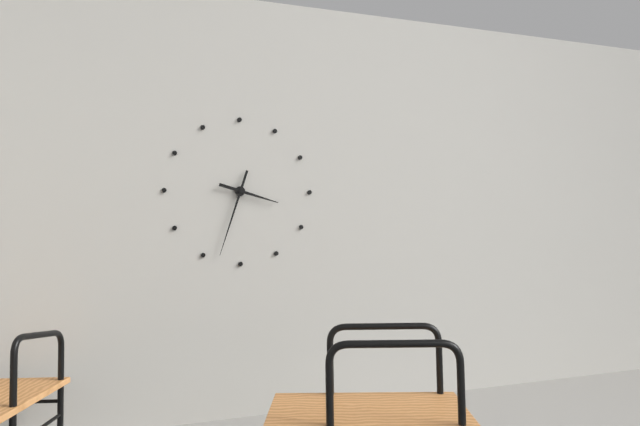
3:33
